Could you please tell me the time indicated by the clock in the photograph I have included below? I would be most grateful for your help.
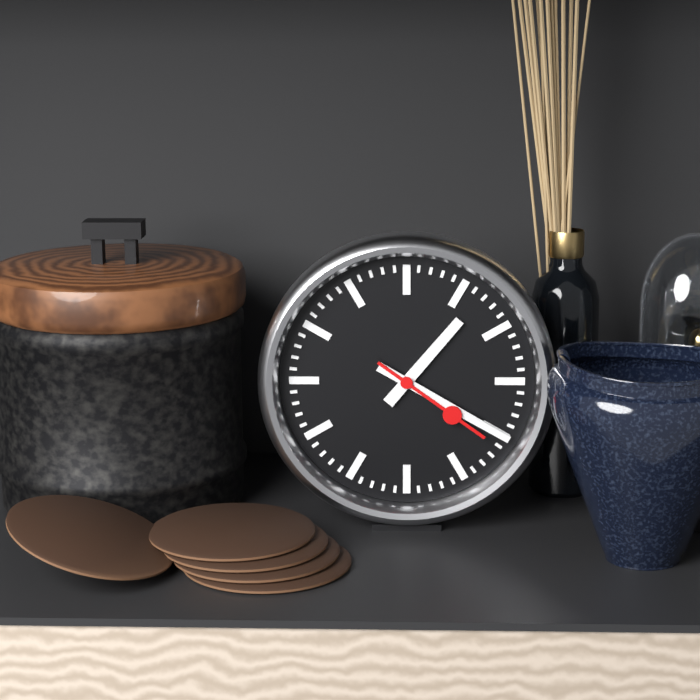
1:20:21
